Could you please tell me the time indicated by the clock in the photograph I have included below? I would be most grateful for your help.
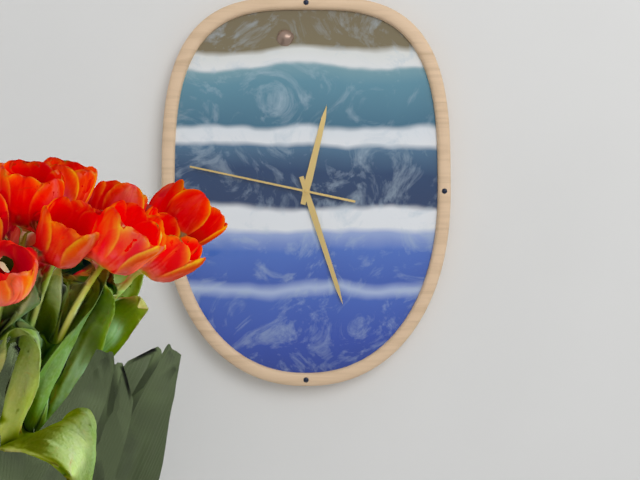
12:27:47
